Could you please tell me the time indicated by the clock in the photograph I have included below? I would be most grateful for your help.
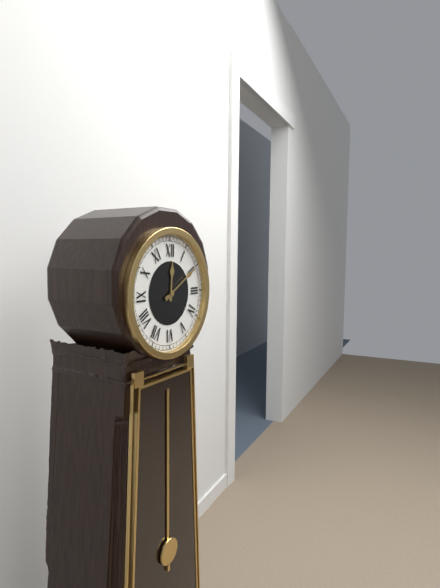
12:10
